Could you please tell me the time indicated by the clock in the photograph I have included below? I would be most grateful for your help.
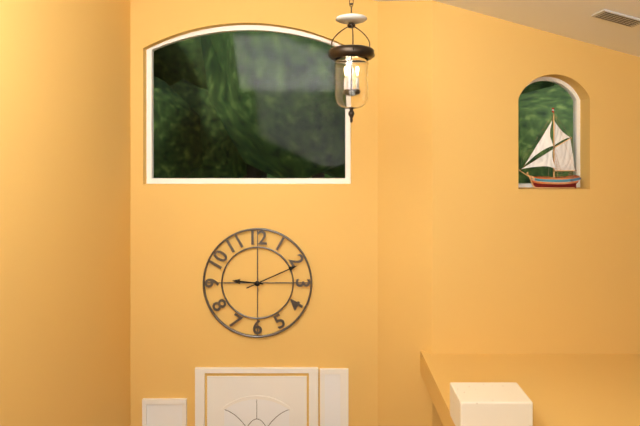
9:11
